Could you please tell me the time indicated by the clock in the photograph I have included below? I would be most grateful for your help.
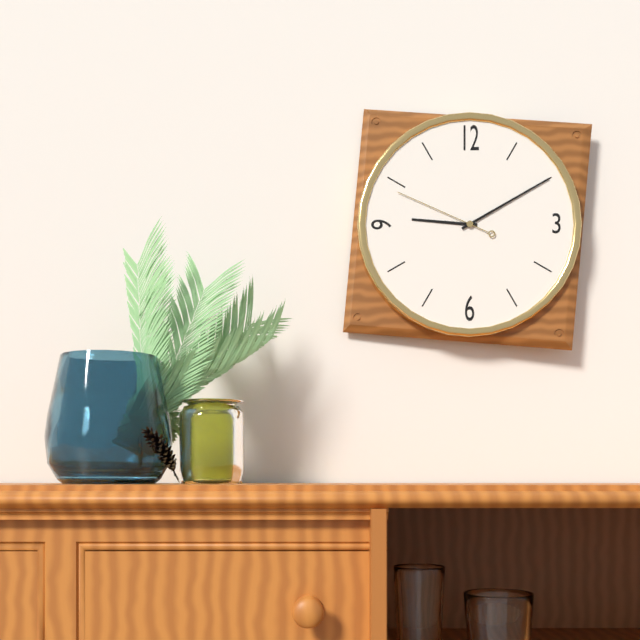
9:10:49
